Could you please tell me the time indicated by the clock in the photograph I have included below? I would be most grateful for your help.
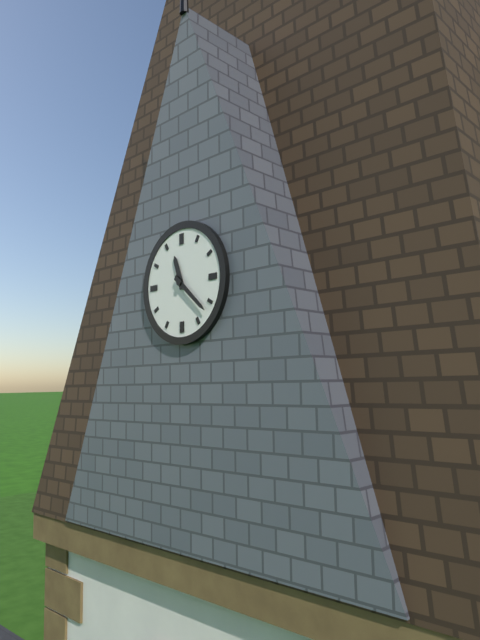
11:22
